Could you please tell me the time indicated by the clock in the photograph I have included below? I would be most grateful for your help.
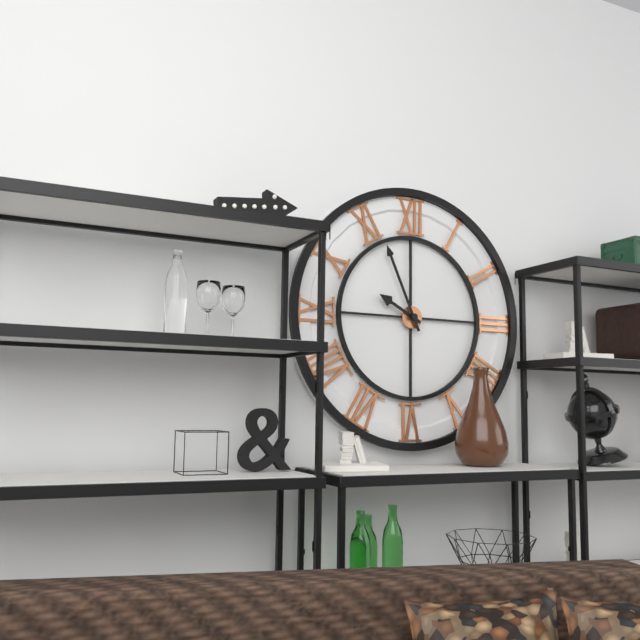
9:56
